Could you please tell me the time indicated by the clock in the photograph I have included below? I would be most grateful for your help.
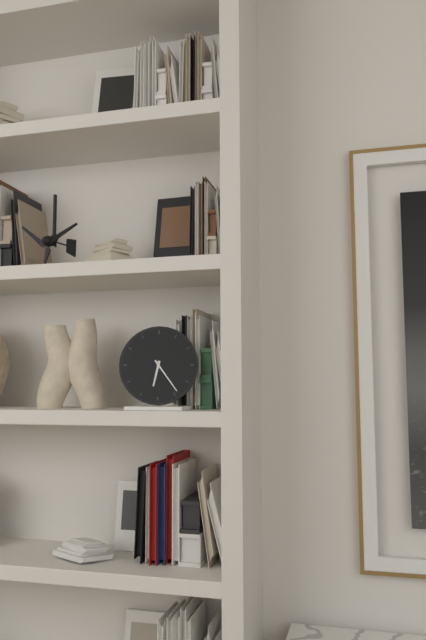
6:24
